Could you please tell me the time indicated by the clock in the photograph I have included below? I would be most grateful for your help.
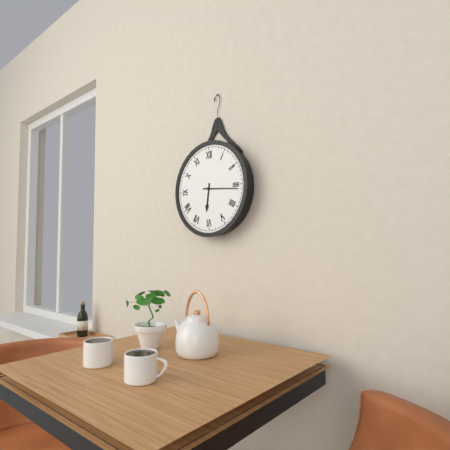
6:16
